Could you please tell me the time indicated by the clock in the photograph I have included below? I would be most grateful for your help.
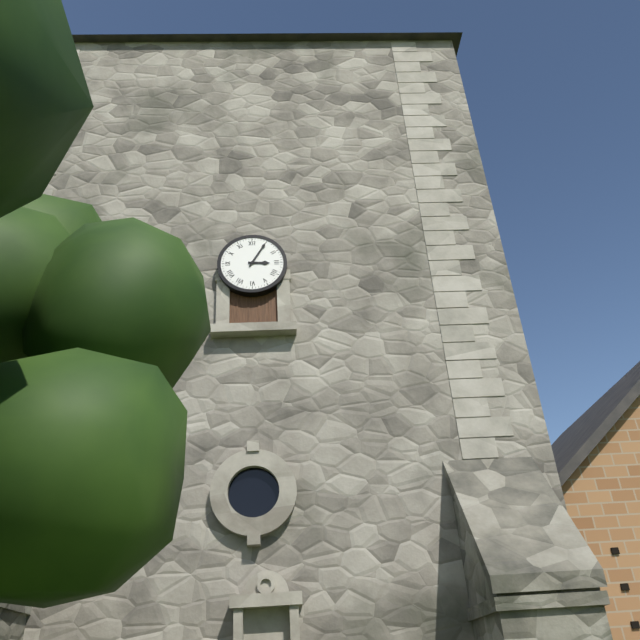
3:05
